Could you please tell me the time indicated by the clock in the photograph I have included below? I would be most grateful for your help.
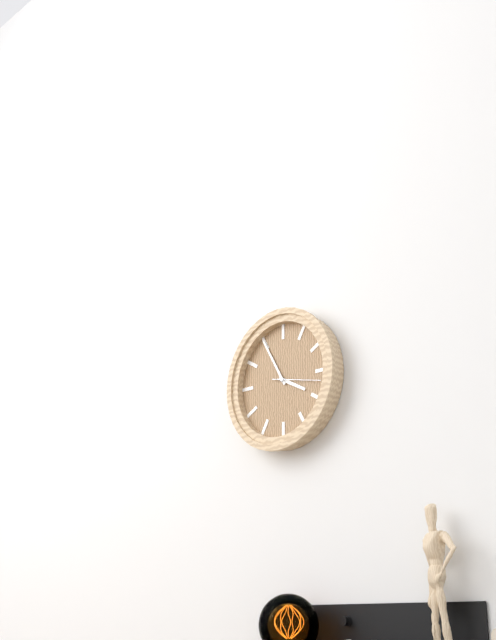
3:55
